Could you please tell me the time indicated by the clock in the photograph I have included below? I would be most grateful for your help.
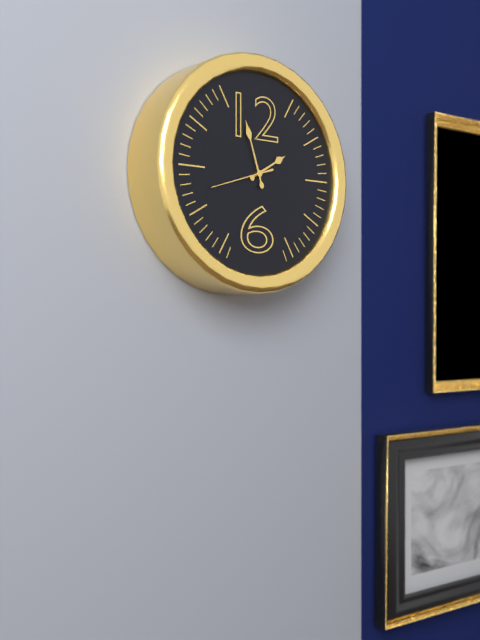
1:57
